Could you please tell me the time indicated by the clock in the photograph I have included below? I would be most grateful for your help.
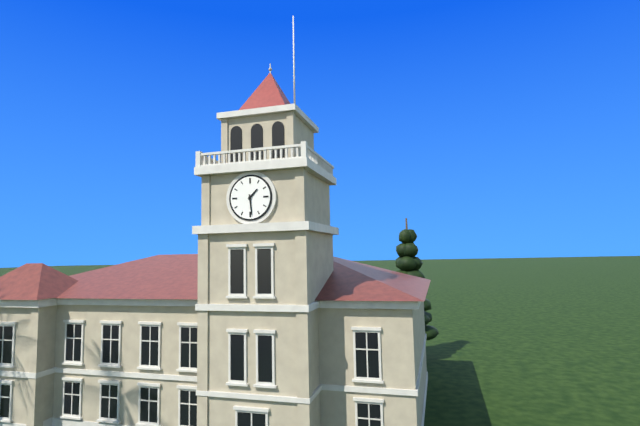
1:29
